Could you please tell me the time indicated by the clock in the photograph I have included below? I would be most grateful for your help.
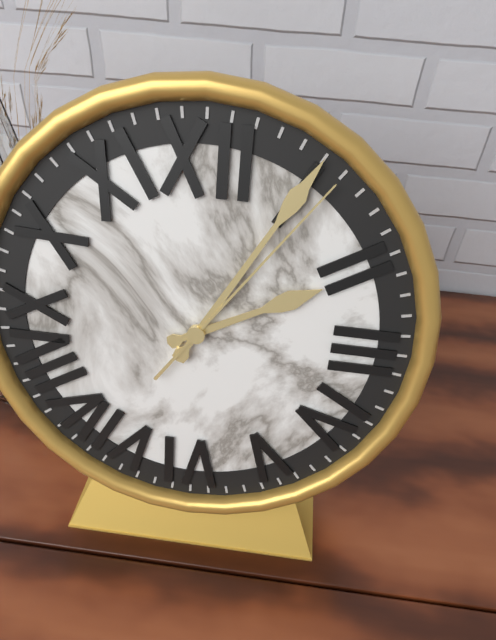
2:05:06
